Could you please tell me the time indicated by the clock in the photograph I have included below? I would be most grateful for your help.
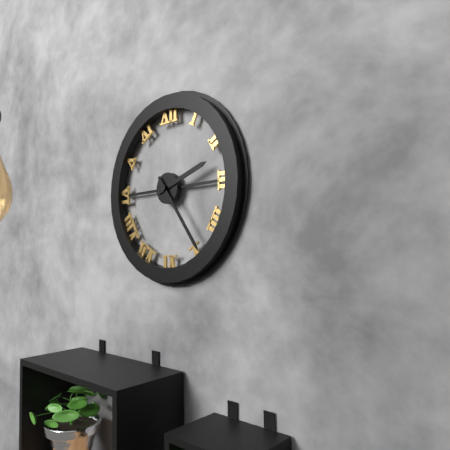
2:24
